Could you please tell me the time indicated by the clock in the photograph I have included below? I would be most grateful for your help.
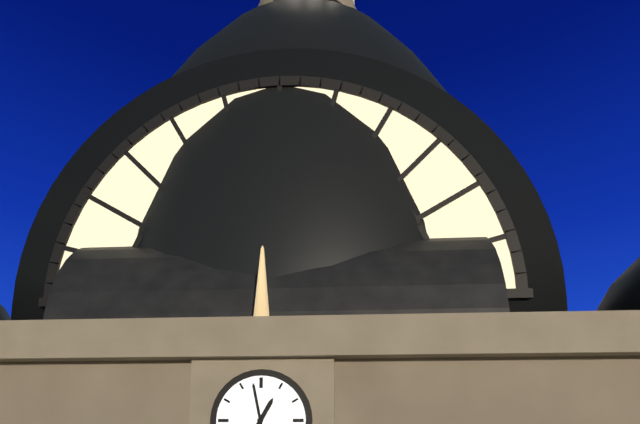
12:58
